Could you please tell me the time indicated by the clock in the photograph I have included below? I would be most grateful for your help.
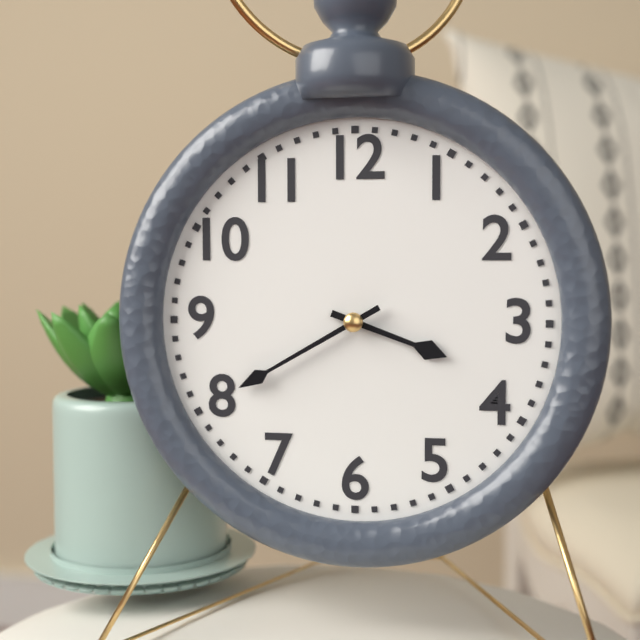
3:40
